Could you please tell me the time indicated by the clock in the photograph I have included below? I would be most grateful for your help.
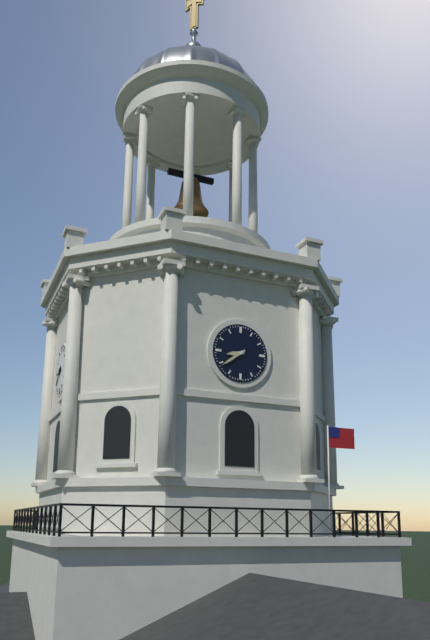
8:39
